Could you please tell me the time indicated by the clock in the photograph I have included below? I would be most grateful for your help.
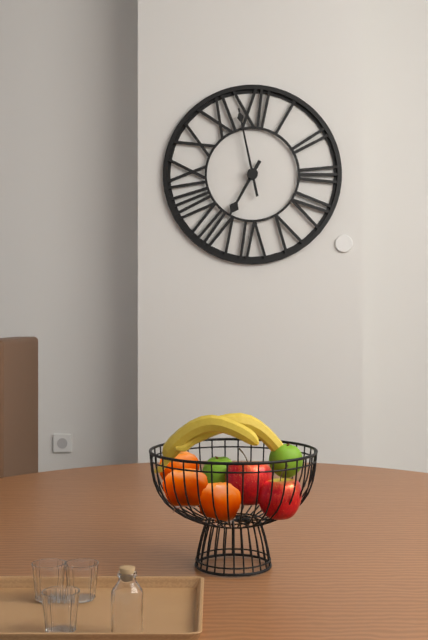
6:58
